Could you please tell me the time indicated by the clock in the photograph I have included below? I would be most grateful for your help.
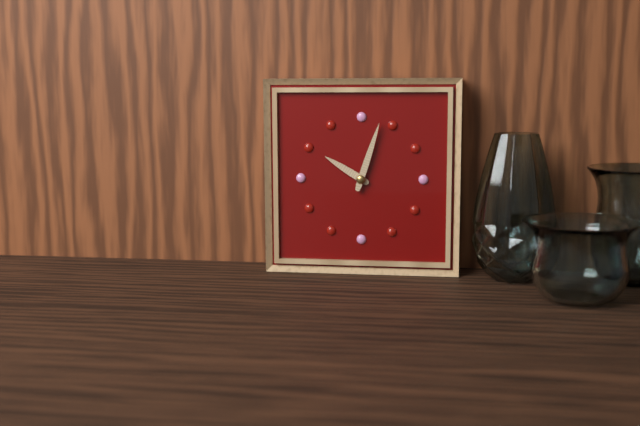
10:03
